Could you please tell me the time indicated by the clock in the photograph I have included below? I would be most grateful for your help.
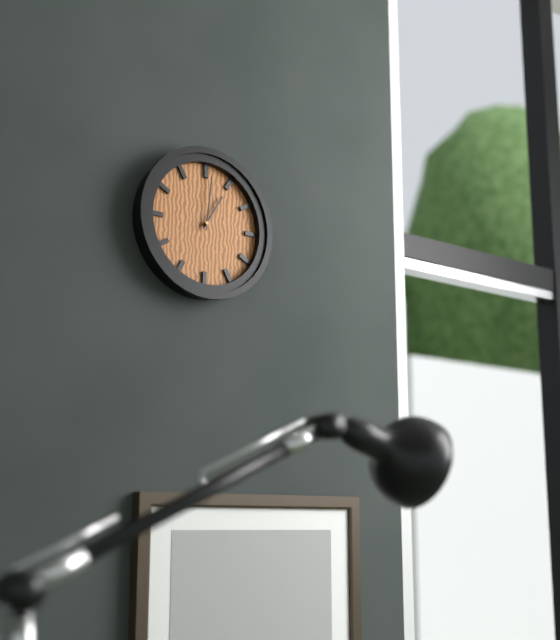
1:01
